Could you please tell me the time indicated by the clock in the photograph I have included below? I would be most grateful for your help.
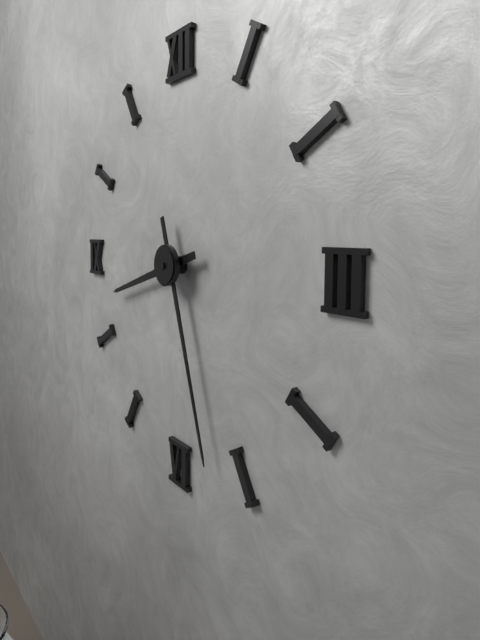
8:27
